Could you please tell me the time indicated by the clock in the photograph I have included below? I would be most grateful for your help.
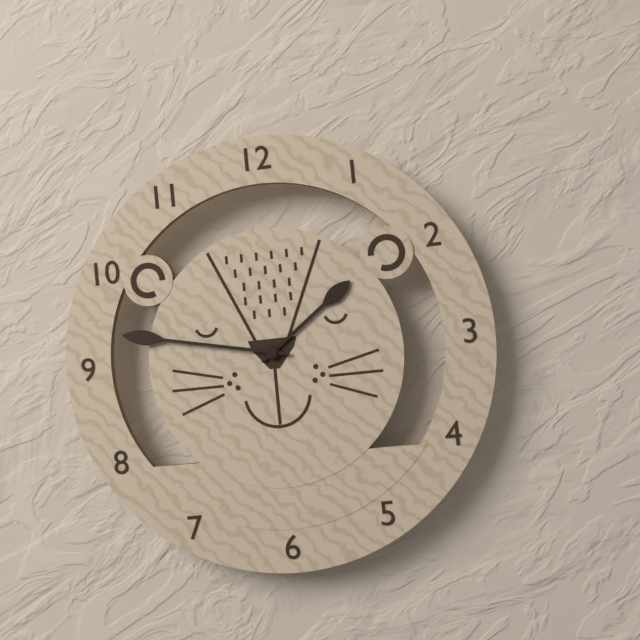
1:47
